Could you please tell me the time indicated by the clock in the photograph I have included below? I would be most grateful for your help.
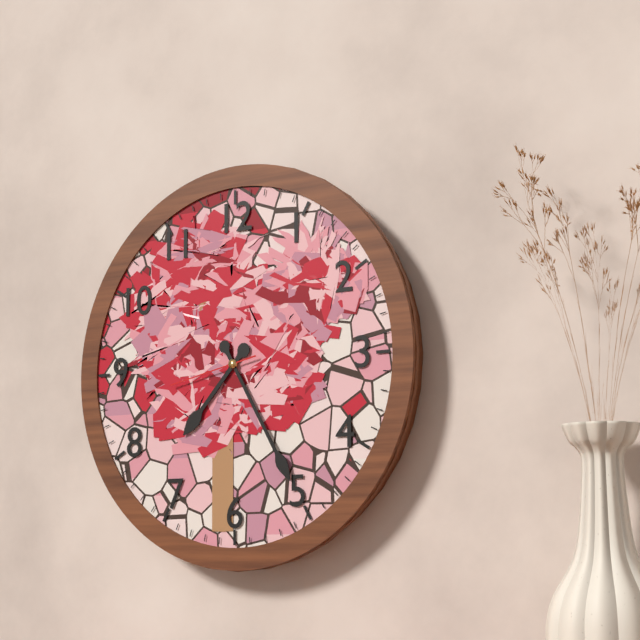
7:25:43
